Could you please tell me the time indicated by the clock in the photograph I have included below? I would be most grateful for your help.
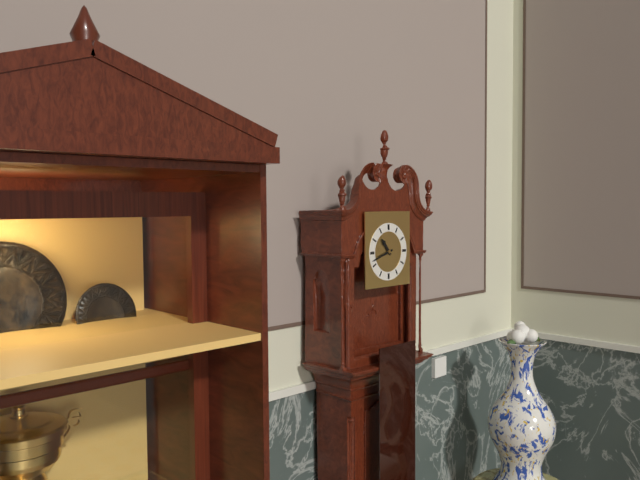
10:42
